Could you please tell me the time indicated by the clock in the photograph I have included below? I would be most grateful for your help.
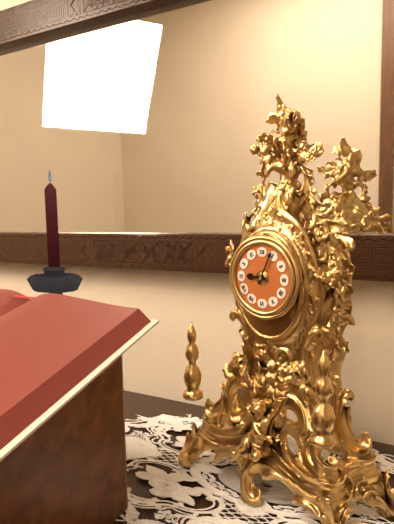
9:04
